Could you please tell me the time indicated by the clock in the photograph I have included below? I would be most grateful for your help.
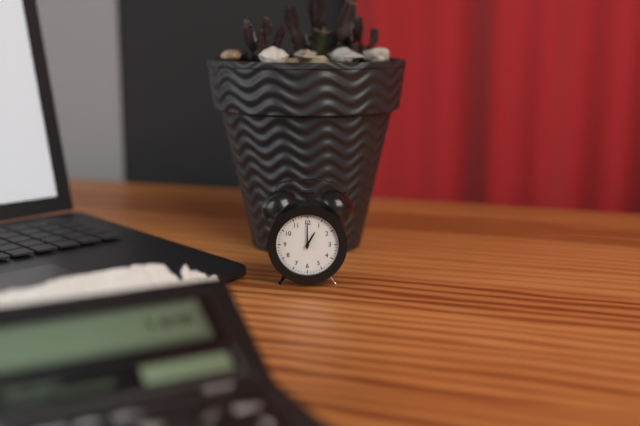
1:00
